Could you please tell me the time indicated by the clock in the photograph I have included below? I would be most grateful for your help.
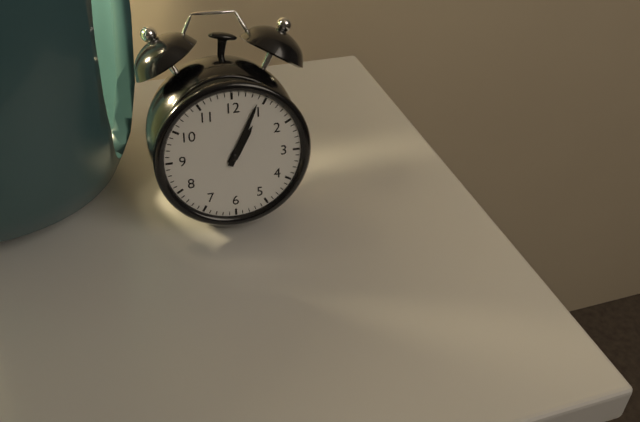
1:04
